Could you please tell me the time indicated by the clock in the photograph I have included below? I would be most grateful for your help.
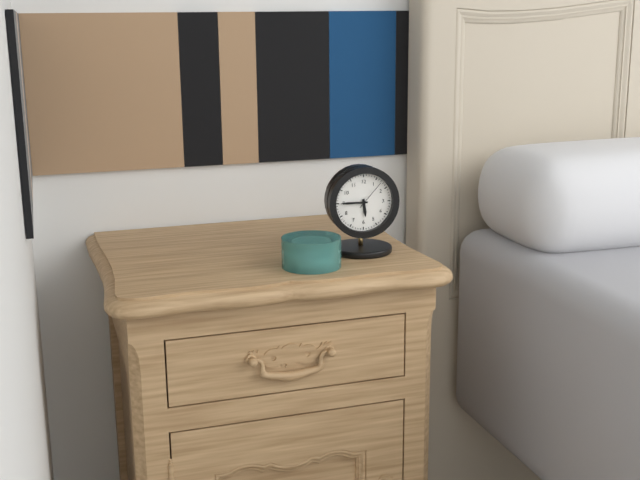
5:45
